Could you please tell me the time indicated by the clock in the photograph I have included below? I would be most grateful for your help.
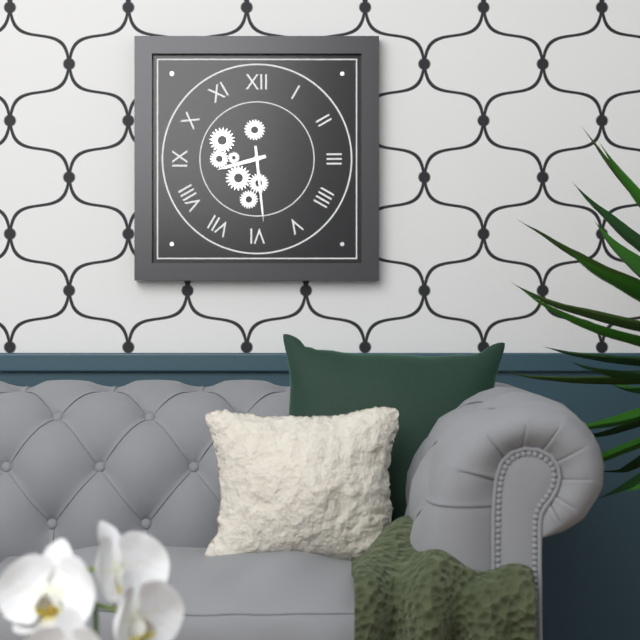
8:29
